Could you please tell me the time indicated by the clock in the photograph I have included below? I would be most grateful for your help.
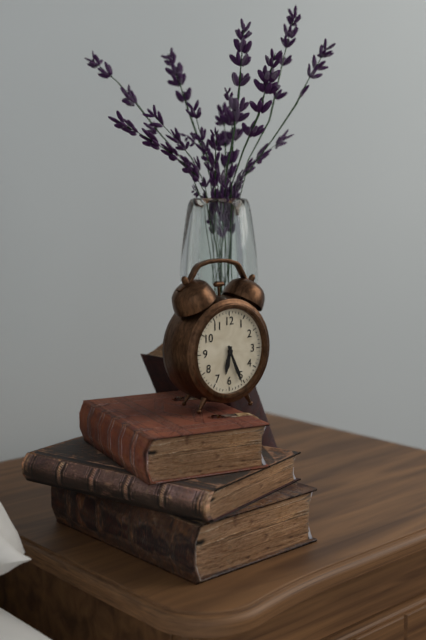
6:26
